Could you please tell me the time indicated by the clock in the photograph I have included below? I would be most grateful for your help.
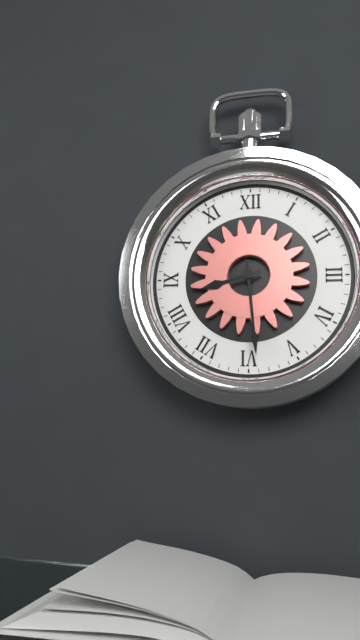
8:29
